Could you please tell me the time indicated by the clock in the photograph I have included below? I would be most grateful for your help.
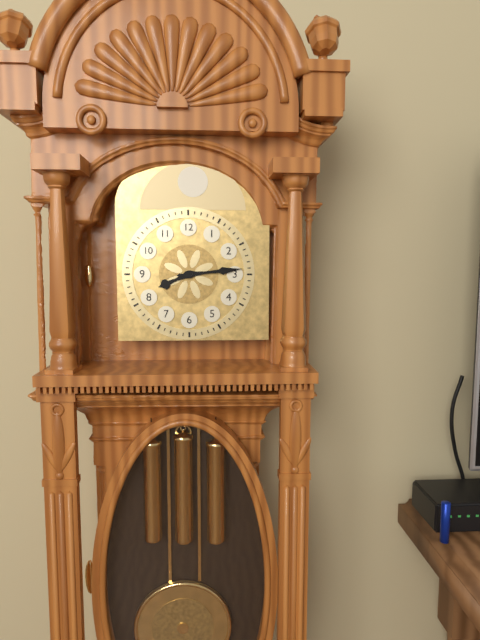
8:14
